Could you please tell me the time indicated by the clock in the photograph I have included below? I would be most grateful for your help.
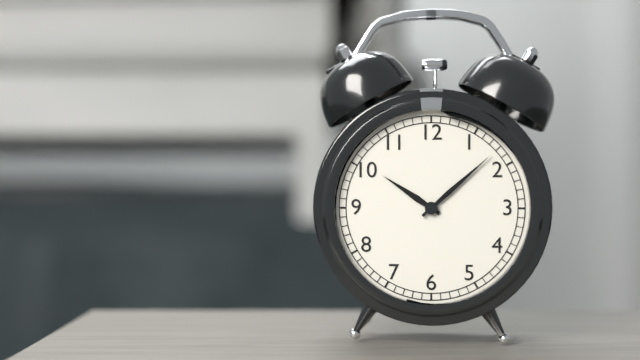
10:08
